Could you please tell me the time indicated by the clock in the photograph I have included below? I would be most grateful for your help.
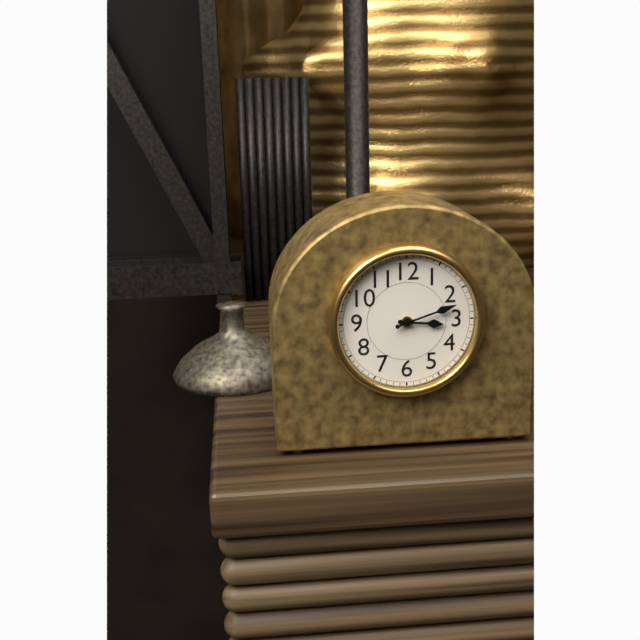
3:12
